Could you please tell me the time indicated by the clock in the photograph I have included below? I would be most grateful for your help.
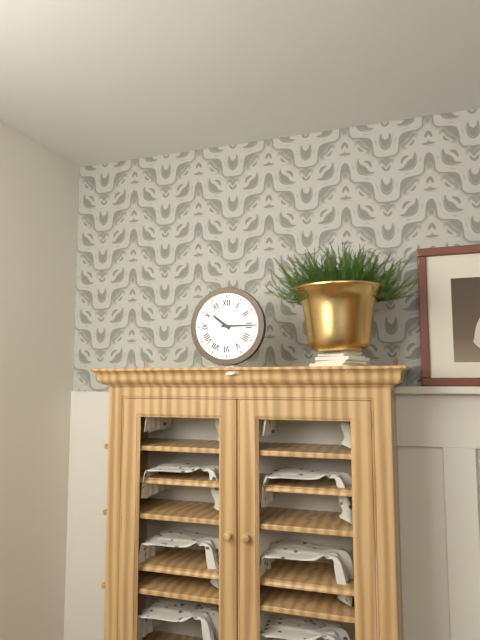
10:15
